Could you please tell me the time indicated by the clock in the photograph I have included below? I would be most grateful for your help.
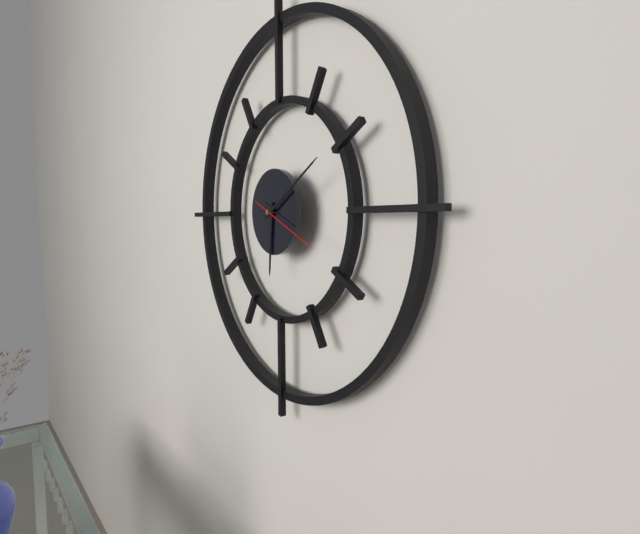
6:10:19
